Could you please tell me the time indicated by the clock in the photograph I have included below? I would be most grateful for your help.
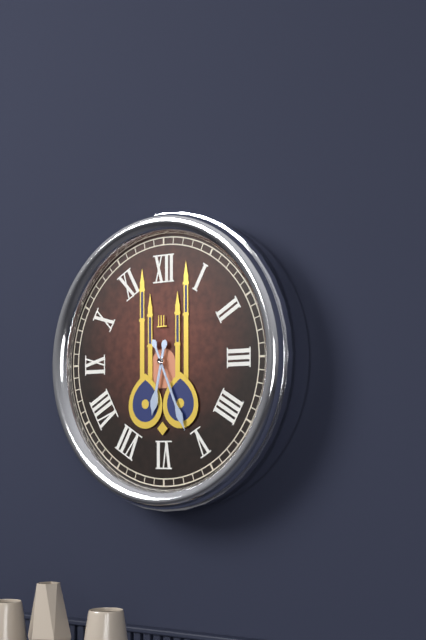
6:26
